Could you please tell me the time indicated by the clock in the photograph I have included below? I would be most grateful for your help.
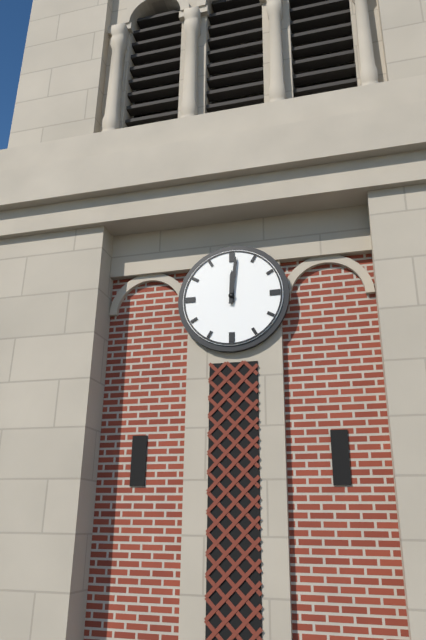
12:01
